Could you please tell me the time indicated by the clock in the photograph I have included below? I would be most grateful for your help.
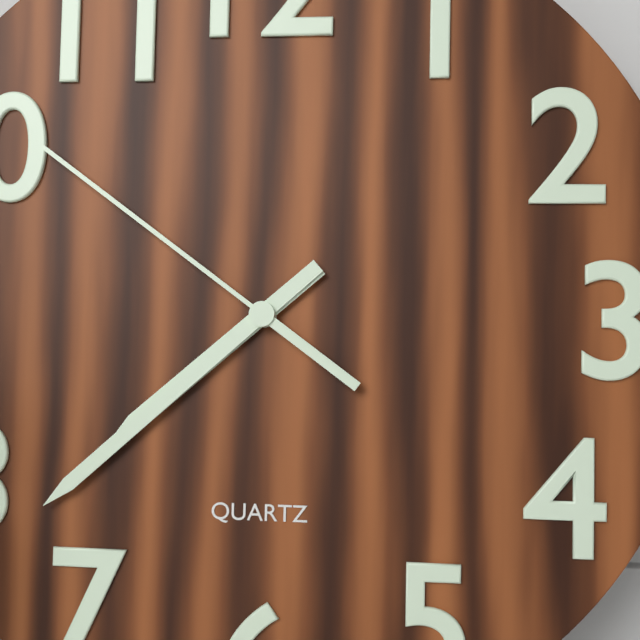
7:38:51
